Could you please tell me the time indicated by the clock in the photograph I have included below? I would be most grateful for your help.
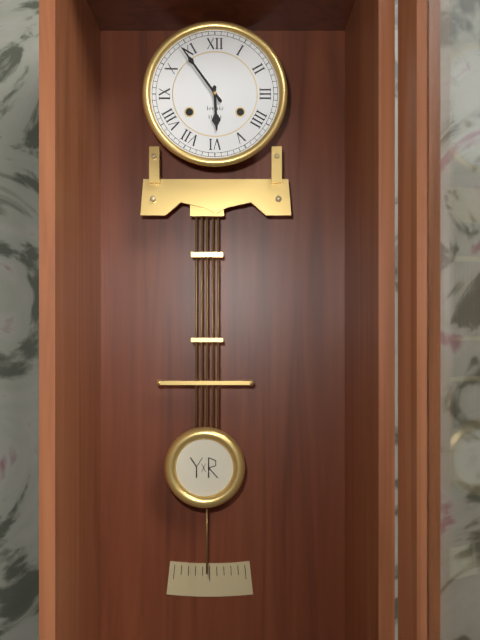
5:54
